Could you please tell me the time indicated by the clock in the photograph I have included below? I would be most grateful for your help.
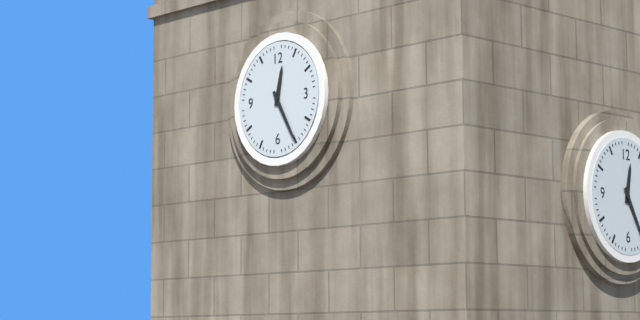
12:25
